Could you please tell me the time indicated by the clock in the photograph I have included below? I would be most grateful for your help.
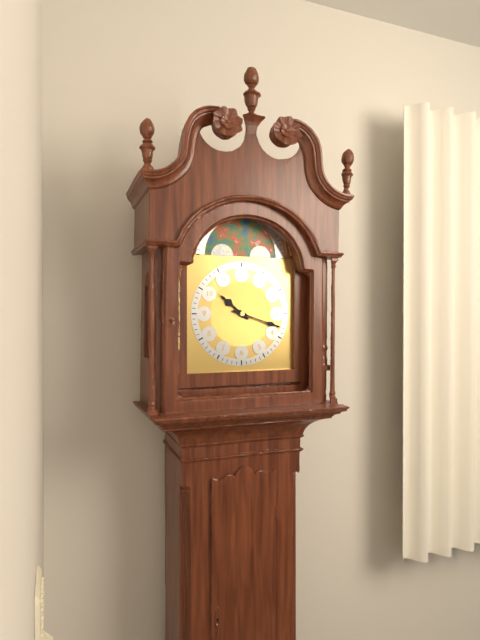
10:18
